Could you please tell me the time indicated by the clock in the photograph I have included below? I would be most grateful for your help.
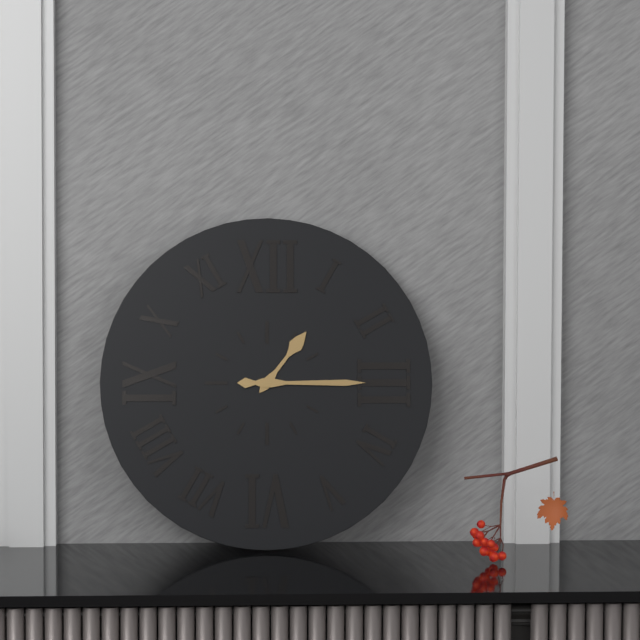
1:15
